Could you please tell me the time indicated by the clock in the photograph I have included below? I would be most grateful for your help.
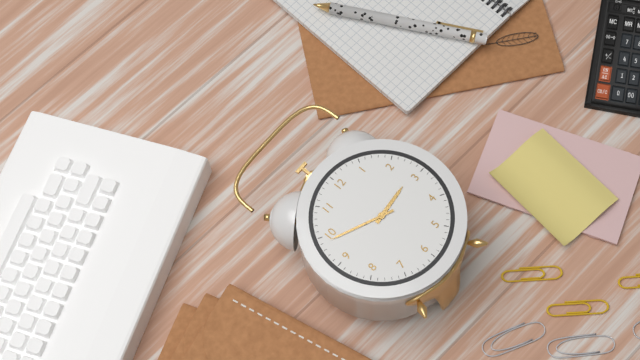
2:49
